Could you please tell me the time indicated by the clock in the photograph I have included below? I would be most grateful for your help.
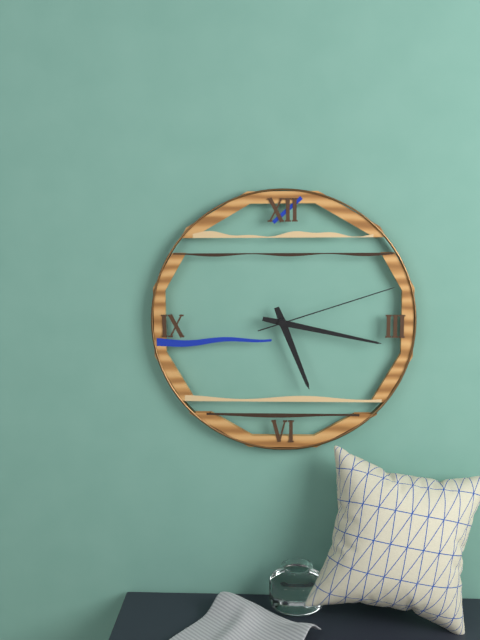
5:17:12
